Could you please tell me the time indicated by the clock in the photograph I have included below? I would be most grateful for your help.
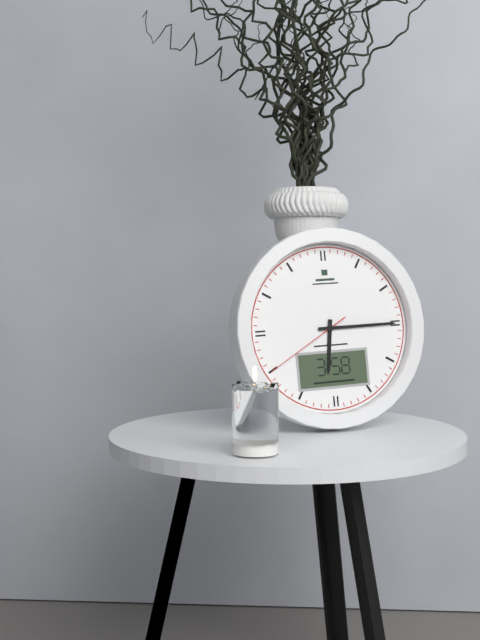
6:15:40
